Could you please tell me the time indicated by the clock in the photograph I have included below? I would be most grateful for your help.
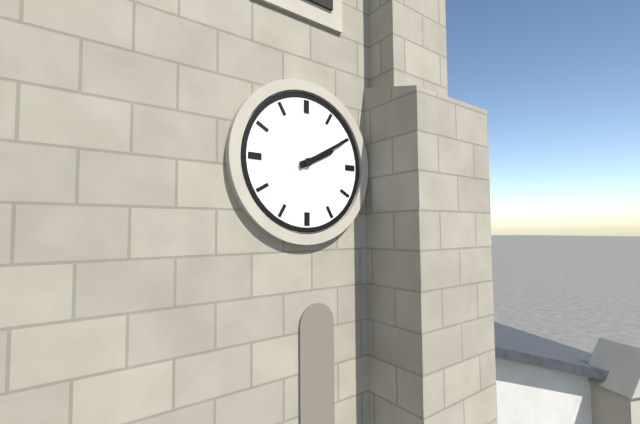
2:10
